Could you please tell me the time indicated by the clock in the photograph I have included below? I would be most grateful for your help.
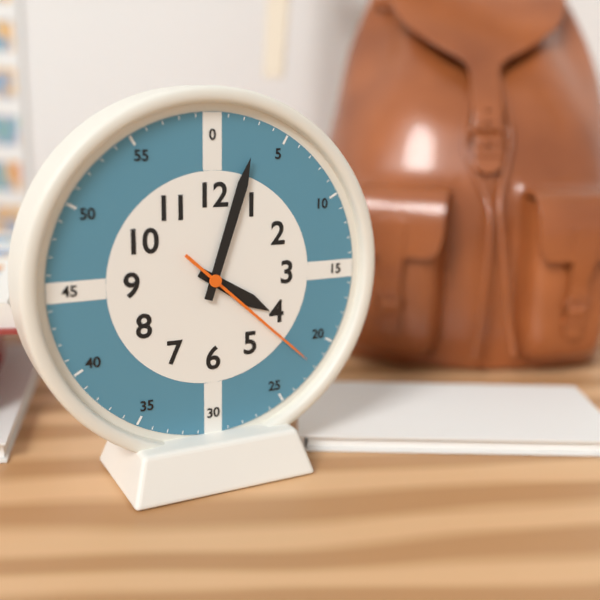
4:03:22
